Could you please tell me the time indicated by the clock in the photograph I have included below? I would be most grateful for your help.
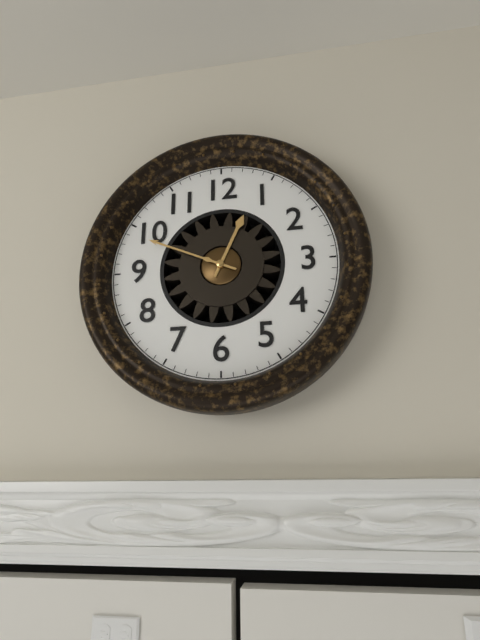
12:49
